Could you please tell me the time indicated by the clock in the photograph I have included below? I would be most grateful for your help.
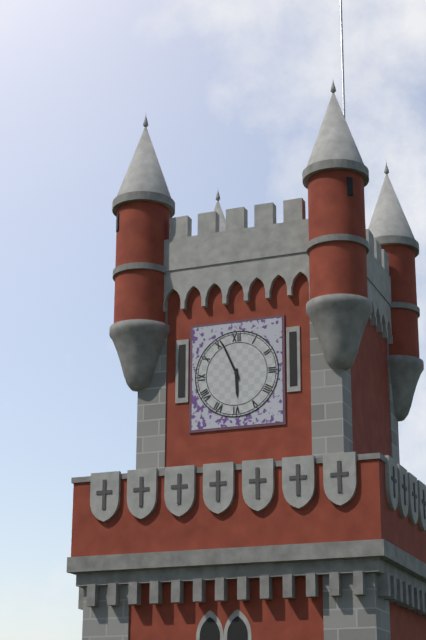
5:56
